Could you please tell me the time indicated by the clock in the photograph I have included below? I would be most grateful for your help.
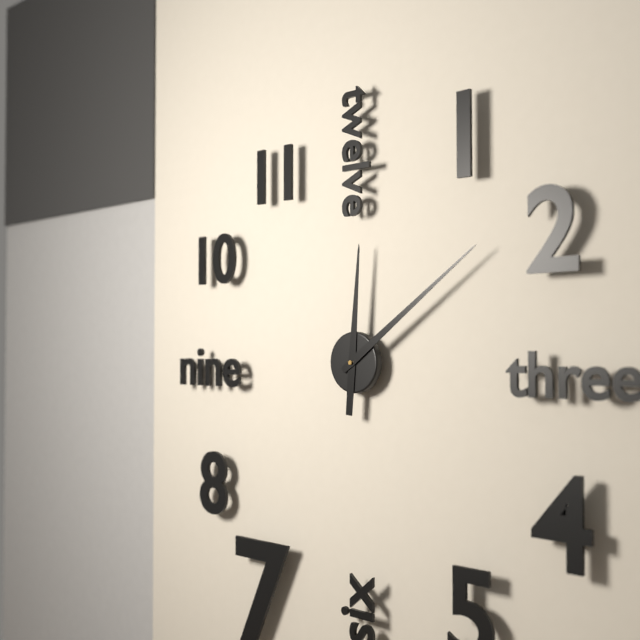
12:09
